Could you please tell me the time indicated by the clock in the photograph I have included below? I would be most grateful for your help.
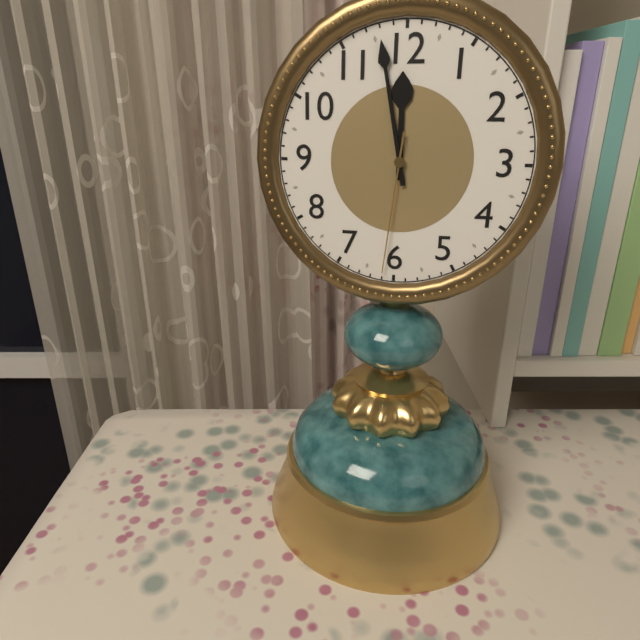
11:58:31
